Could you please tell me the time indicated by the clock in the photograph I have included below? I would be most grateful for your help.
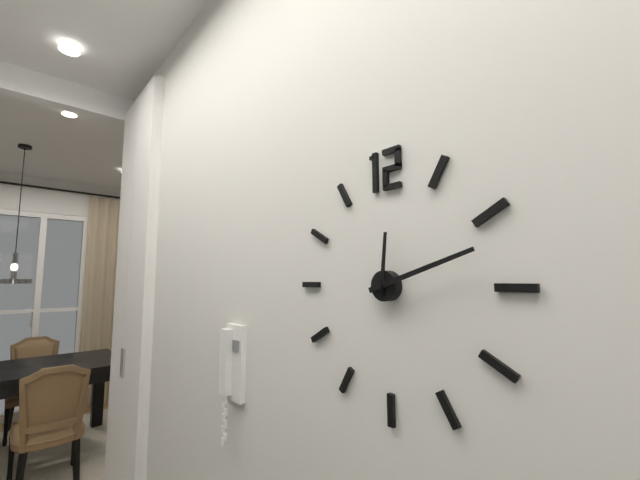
12:12
